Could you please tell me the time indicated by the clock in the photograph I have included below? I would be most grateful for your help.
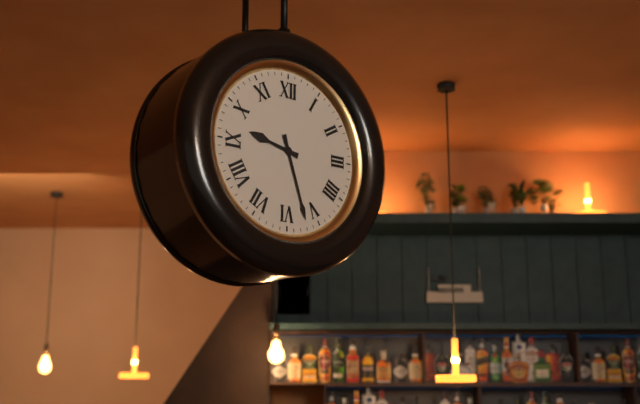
9:27
